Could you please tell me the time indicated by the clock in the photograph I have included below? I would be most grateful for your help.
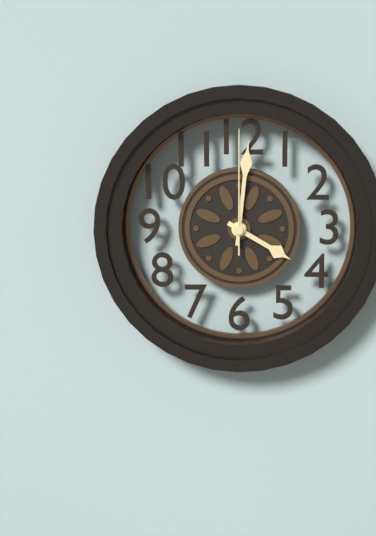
4:01:00
